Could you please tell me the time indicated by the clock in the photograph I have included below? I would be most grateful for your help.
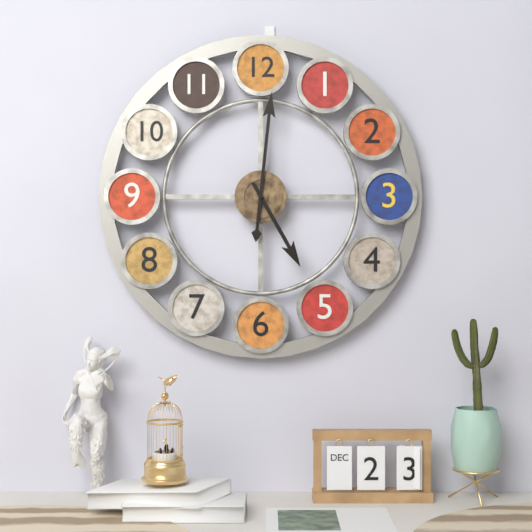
5:01
